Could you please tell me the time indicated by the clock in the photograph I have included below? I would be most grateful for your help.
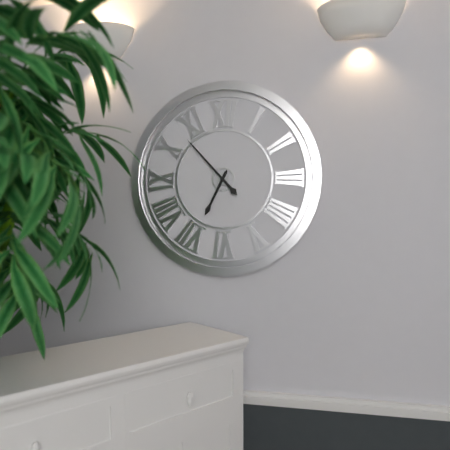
6:53
